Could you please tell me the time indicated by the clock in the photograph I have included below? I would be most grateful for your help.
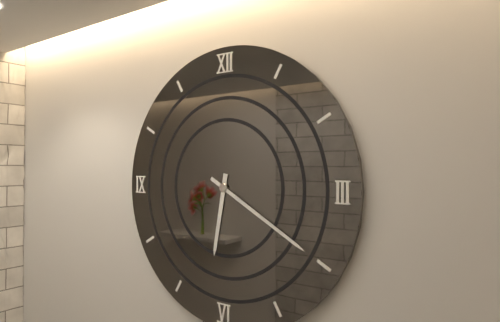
6:20
